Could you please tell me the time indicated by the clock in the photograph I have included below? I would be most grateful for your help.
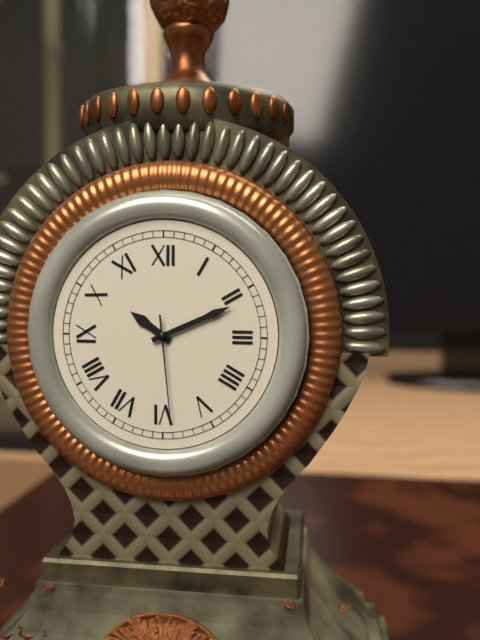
10:11:29
